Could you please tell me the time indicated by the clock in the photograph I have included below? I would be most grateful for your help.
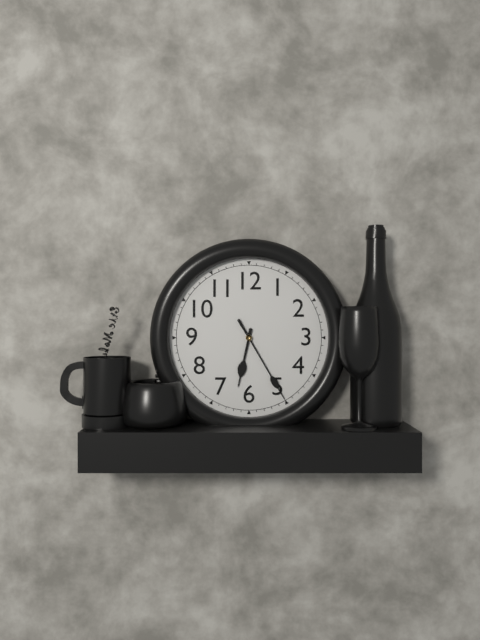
6:25
